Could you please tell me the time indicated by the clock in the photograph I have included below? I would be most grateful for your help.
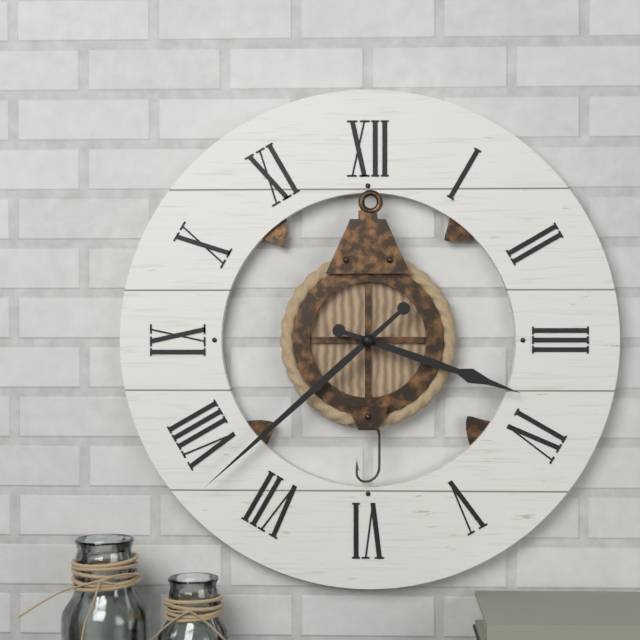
3:38
